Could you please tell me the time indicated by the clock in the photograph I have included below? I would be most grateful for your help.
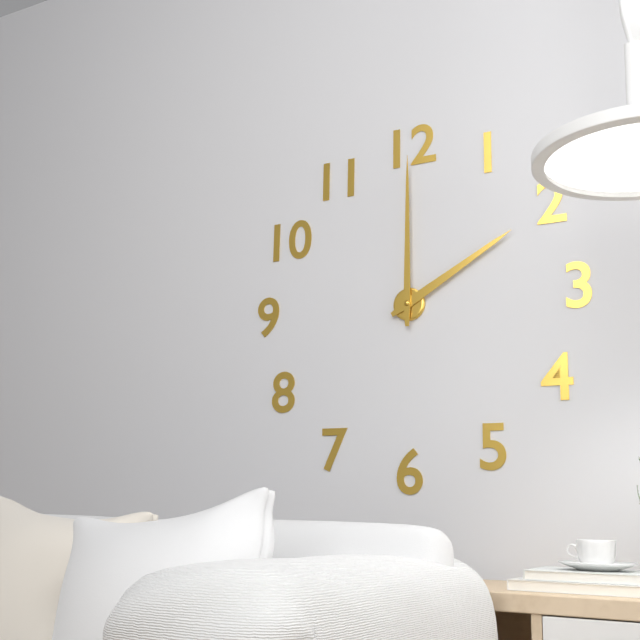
2:00
